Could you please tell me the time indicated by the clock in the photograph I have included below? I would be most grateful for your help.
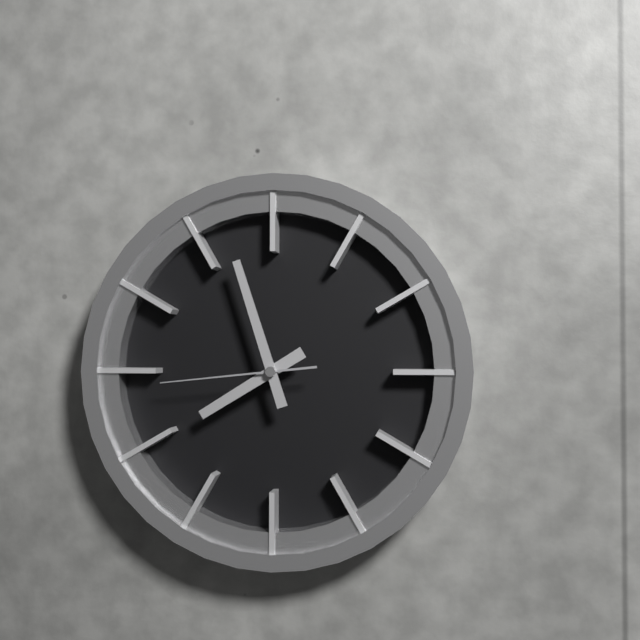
7:57:44
